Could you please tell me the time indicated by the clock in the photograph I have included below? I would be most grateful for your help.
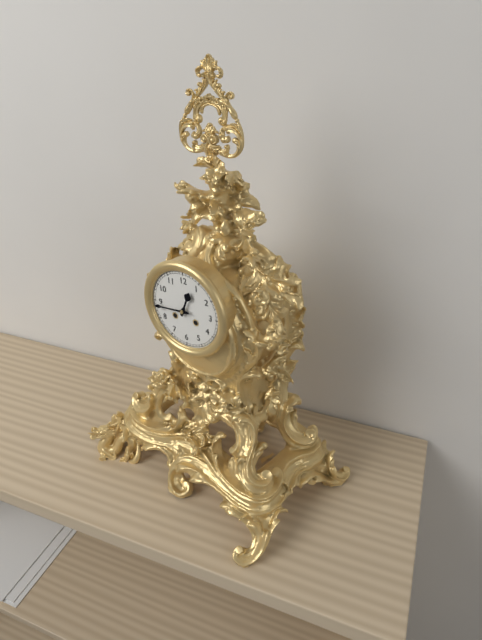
12:44
